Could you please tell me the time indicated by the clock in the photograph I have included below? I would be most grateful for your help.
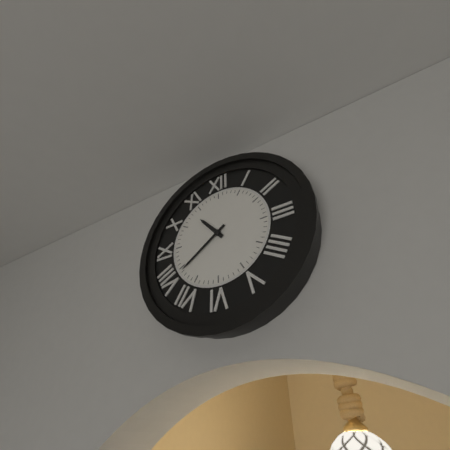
10:39
